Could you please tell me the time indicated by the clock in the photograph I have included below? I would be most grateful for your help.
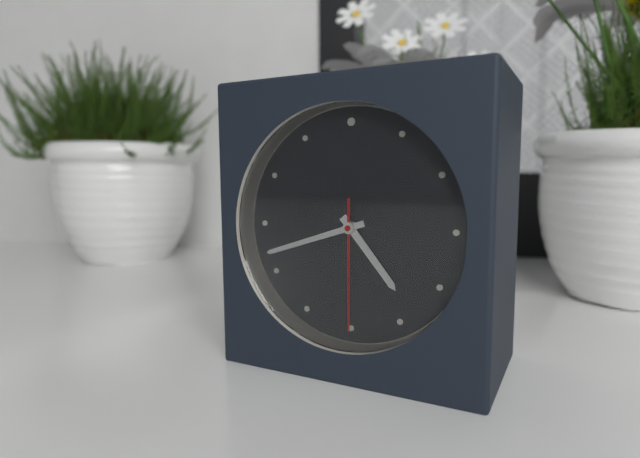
4:42:30
